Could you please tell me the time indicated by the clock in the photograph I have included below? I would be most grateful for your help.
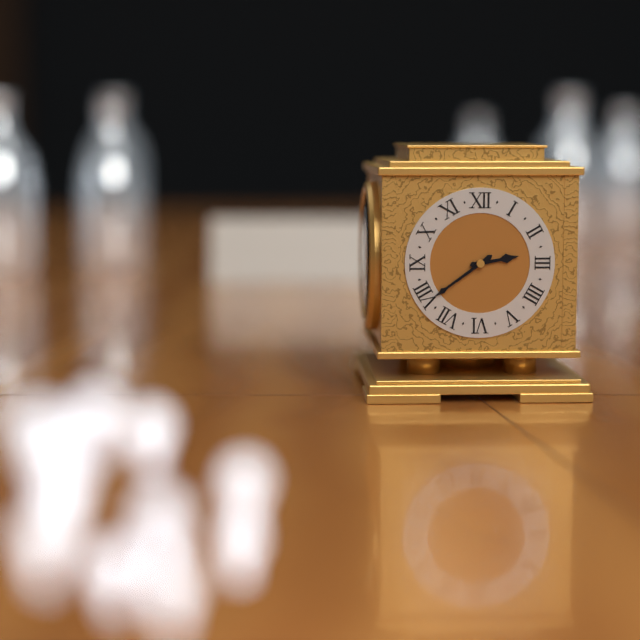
2:39
